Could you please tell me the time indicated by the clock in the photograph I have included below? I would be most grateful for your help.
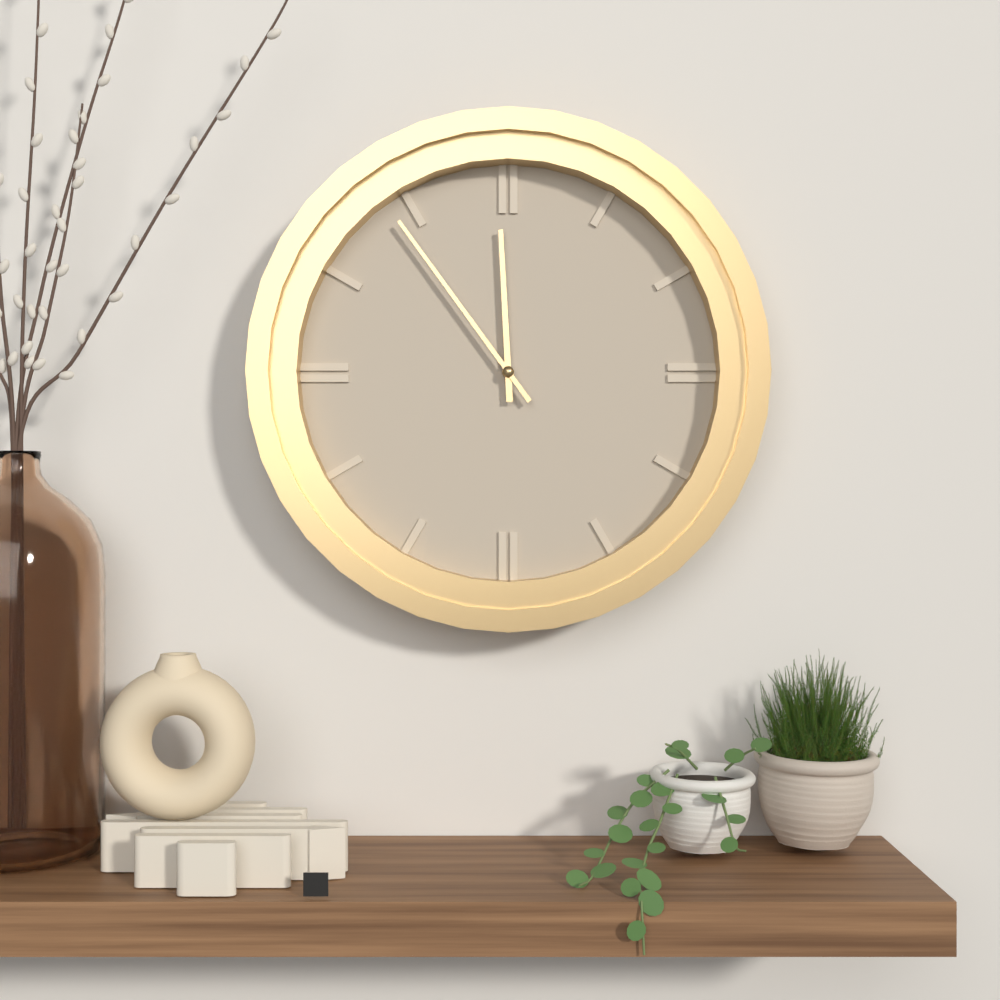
11:54
